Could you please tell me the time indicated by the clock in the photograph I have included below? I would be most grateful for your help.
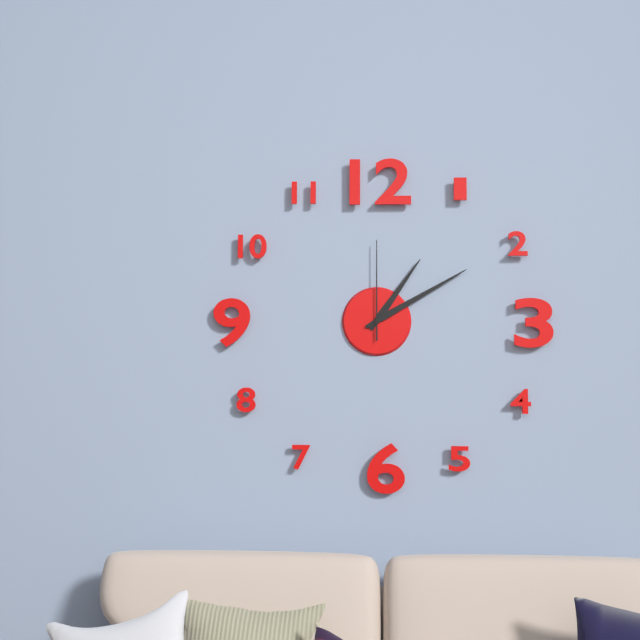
1:10:00
